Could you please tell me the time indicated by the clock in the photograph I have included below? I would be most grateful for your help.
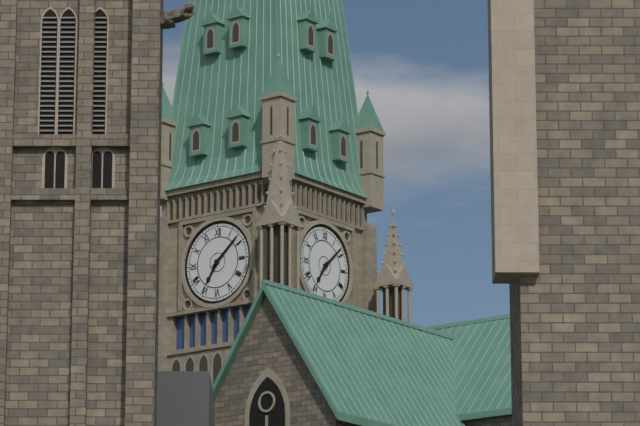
7:08
